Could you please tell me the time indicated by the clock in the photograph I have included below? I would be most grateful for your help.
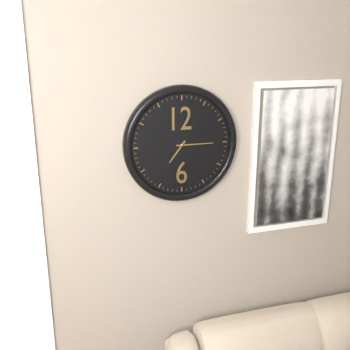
7:15
